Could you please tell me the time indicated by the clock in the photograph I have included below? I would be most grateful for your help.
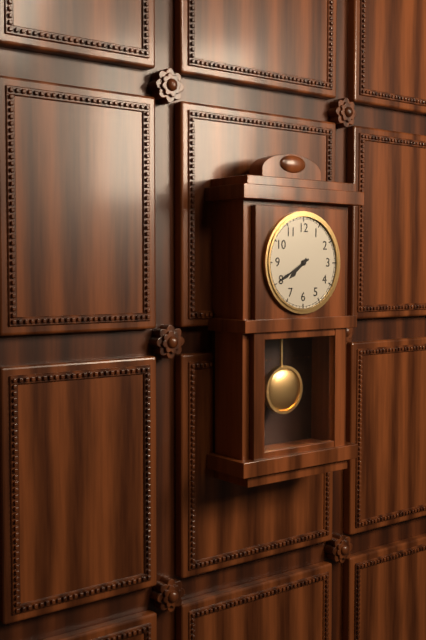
7:40
